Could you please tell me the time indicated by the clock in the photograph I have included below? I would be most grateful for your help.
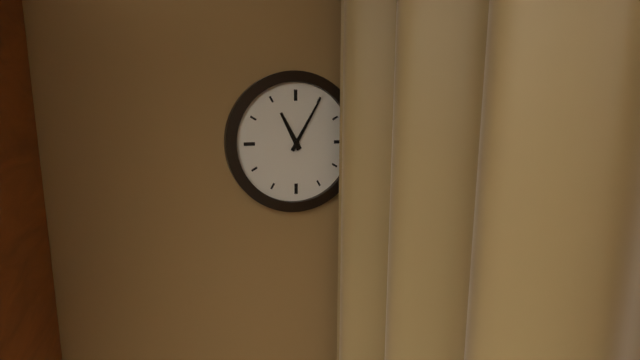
11:05
